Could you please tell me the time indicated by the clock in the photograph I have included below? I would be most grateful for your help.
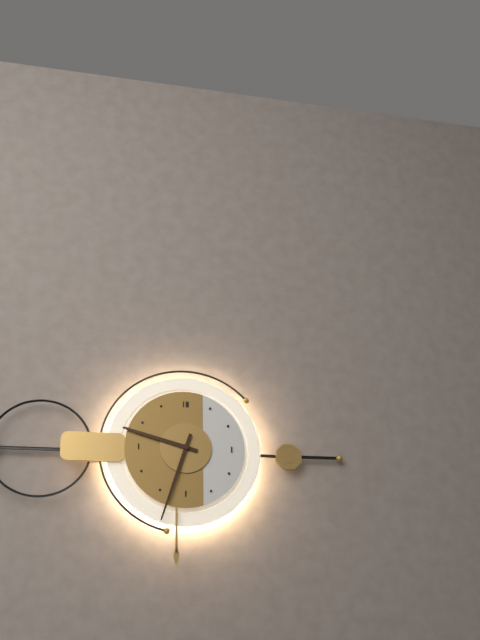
9:33
